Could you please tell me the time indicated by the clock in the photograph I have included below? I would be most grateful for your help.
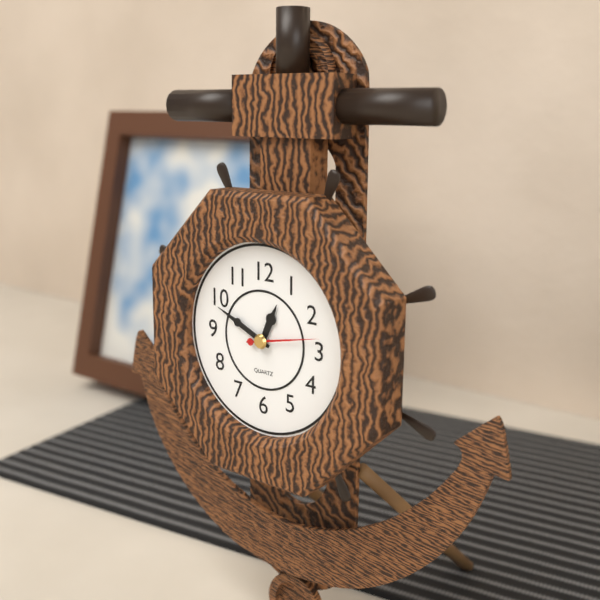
12:49:13
